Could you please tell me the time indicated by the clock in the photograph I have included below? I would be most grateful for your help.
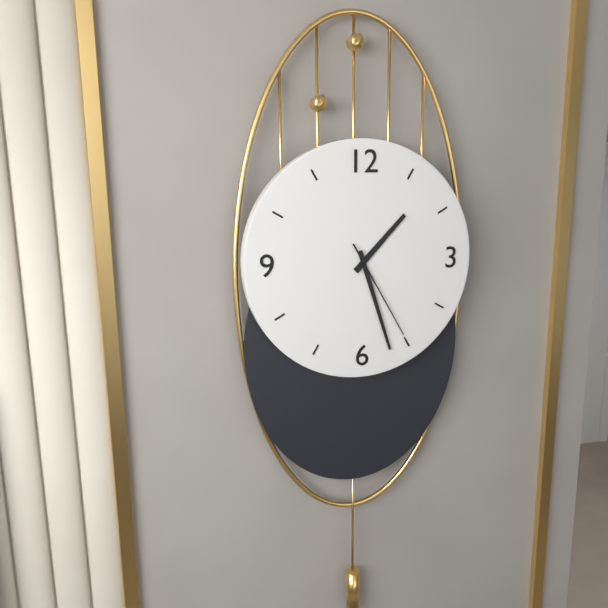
1:27:25
